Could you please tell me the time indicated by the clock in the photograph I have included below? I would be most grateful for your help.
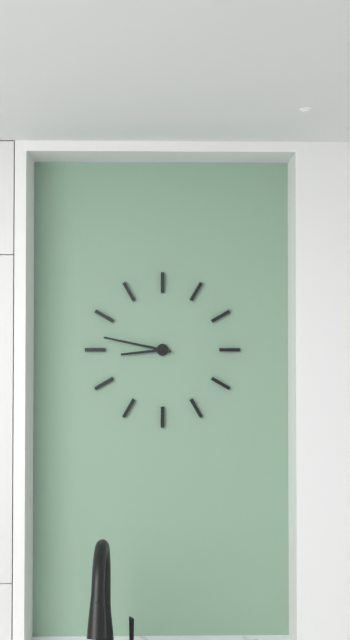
8:47
